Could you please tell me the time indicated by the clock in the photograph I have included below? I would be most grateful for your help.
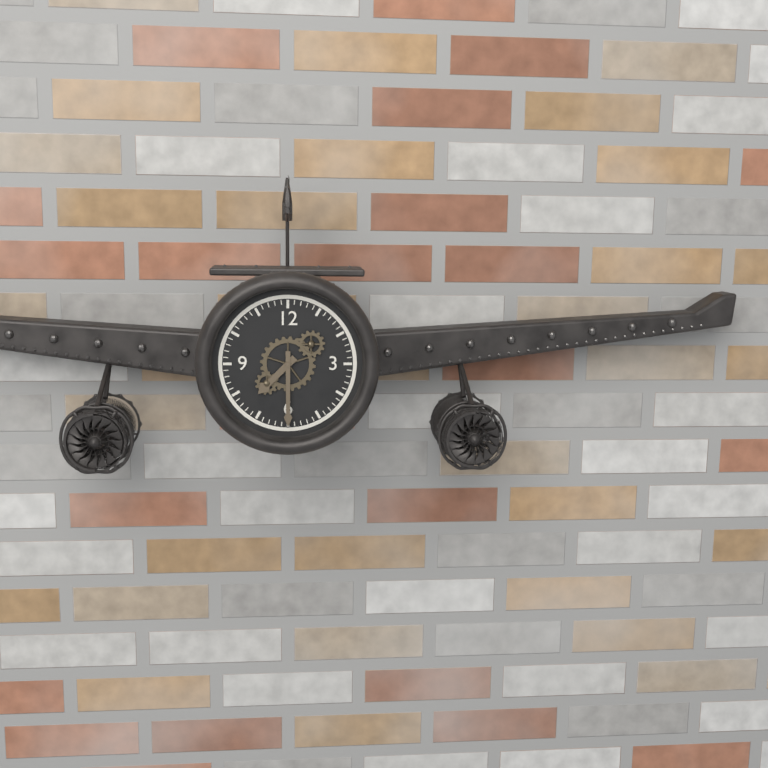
7:30
